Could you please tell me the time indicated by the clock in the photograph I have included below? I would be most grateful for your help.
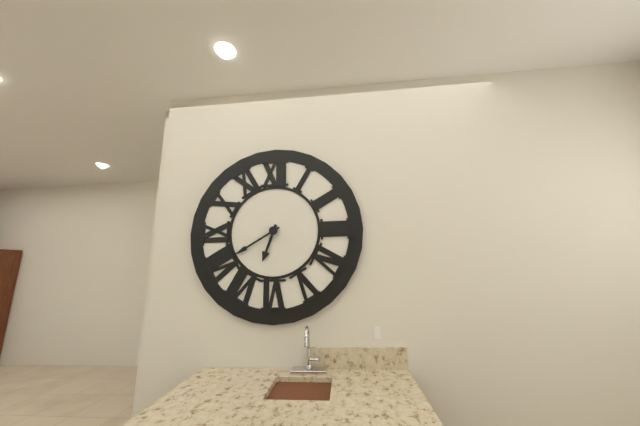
6:40
